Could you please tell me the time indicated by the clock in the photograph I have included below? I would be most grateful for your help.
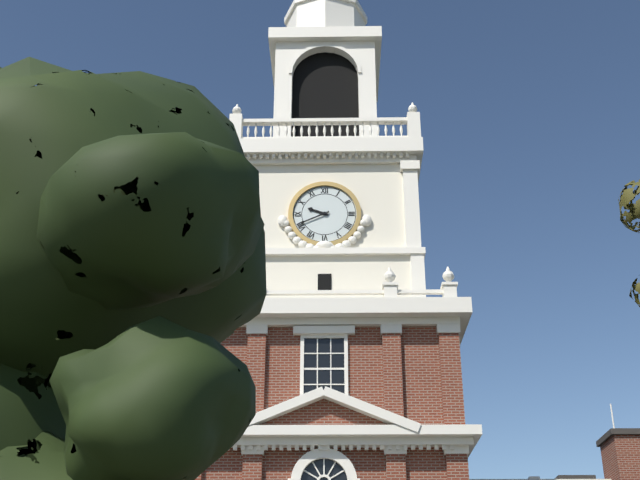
9:41
